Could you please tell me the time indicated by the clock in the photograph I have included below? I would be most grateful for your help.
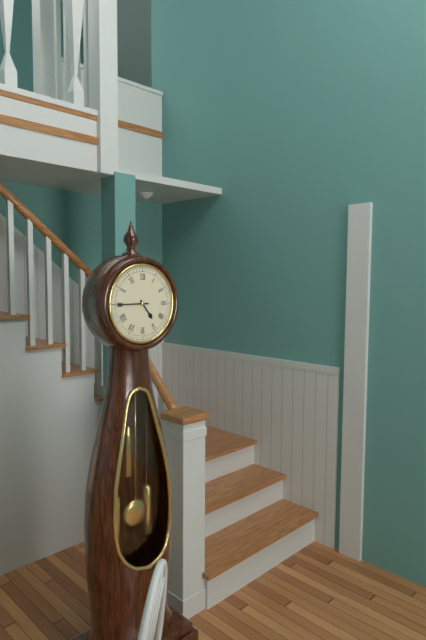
4:45
